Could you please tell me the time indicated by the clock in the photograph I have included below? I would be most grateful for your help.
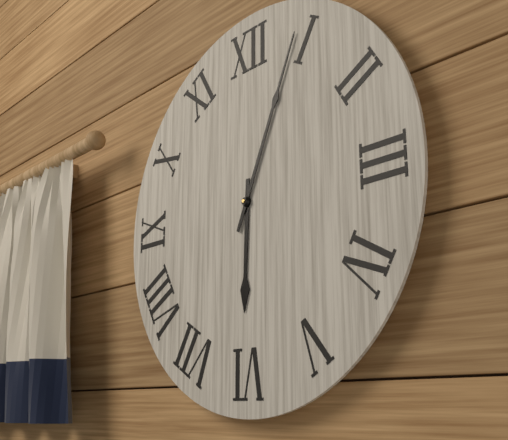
6:04
